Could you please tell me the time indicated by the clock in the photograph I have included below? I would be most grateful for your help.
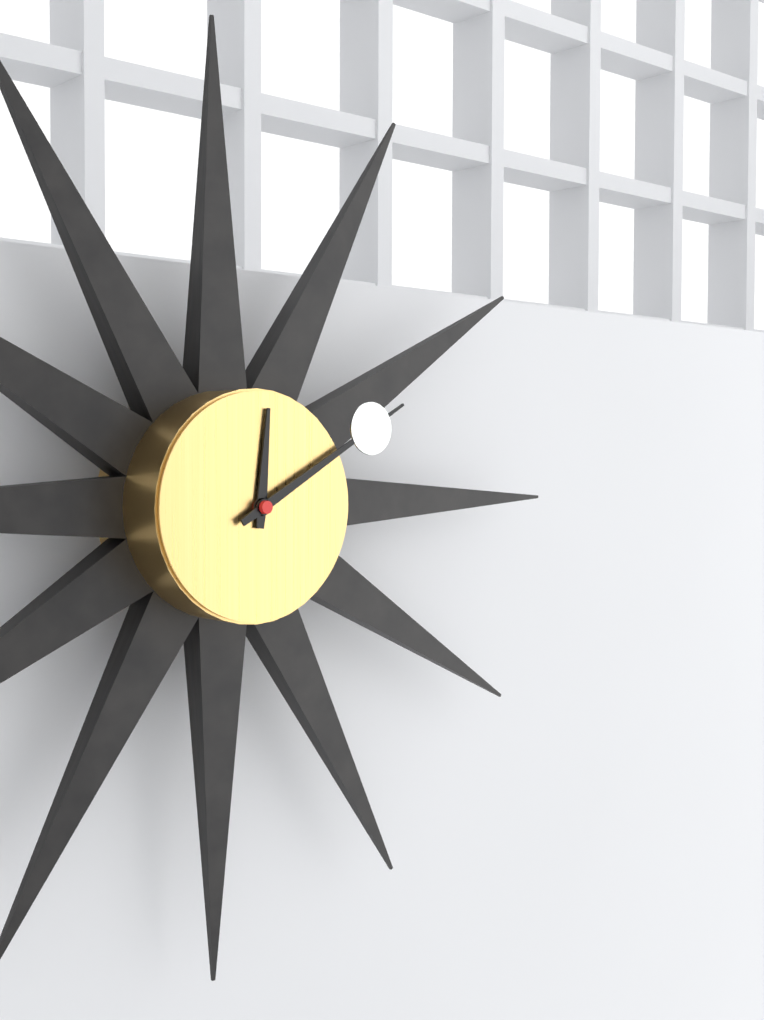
12:10
